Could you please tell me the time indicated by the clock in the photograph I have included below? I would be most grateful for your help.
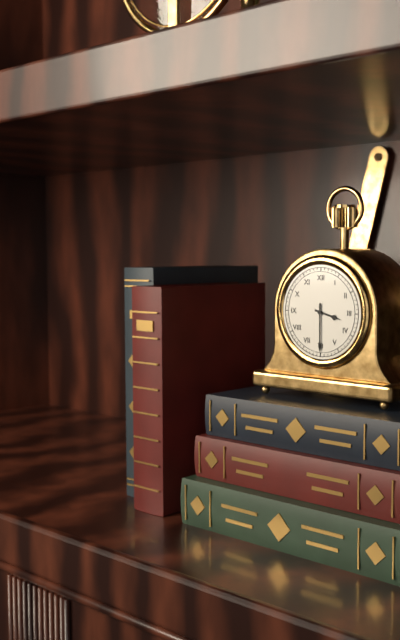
3:30
